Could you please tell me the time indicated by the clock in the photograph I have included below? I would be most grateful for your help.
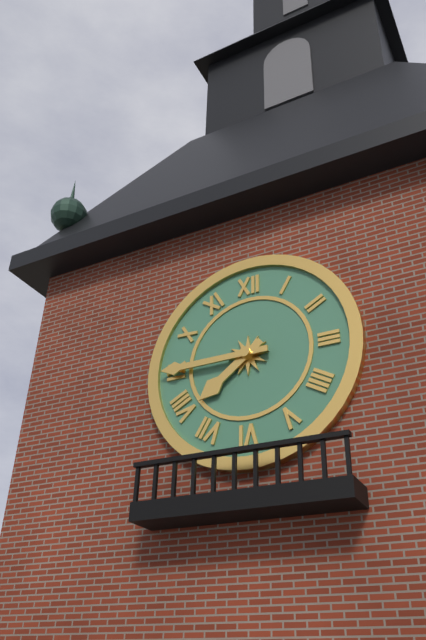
7:45
